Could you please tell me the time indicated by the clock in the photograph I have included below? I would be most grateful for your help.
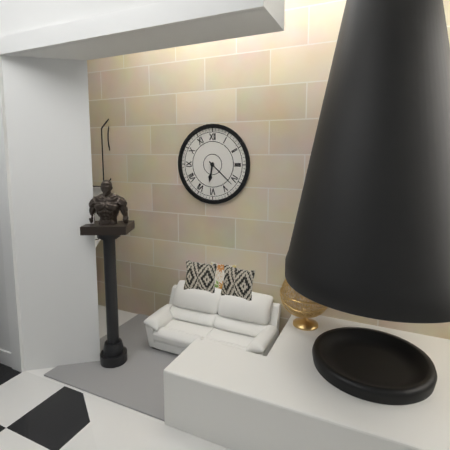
6:22
